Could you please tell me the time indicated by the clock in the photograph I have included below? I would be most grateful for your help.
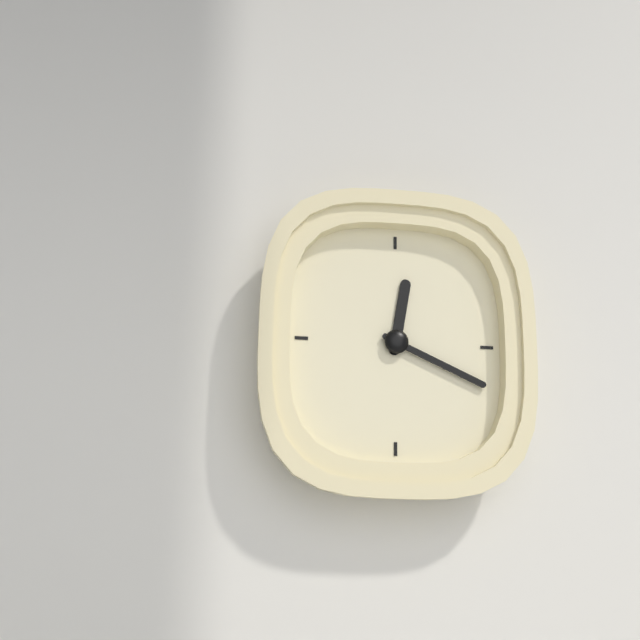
12:19
